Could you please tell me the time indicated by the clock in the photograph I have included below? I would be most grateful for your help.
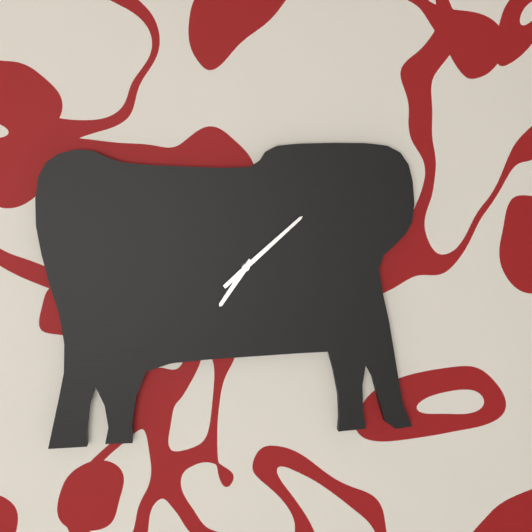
7:08
